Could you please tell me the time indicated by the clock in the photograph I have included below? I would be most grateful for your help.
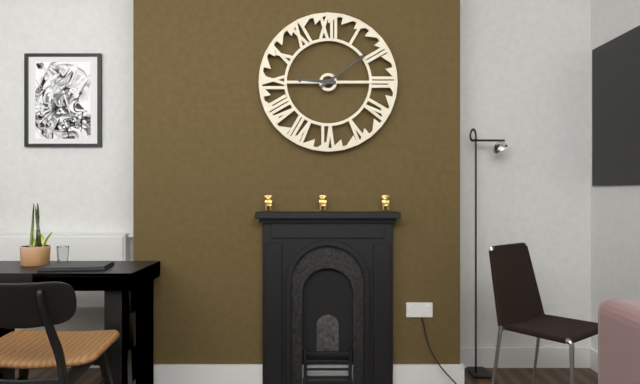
9:09
